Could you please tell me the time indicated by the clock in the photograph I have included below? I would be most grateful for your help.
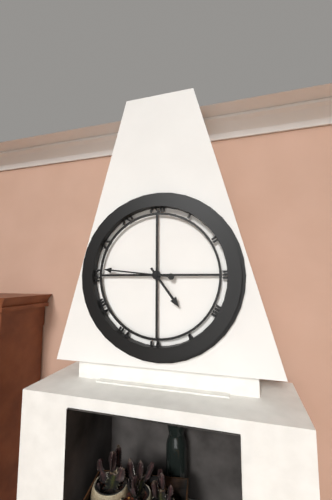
4:46
